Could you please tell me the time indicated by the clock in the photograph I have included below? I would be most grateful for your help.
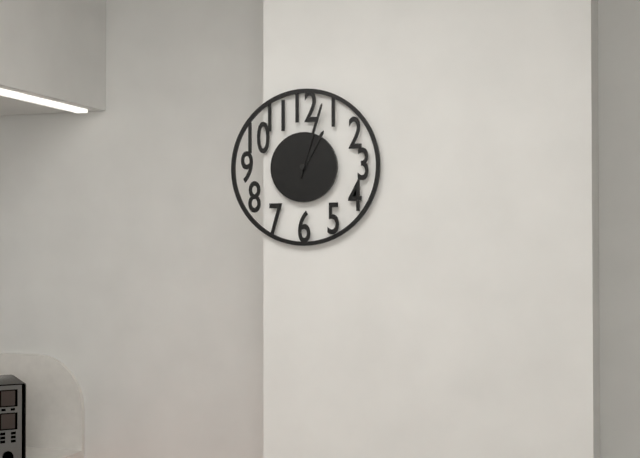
1:03
